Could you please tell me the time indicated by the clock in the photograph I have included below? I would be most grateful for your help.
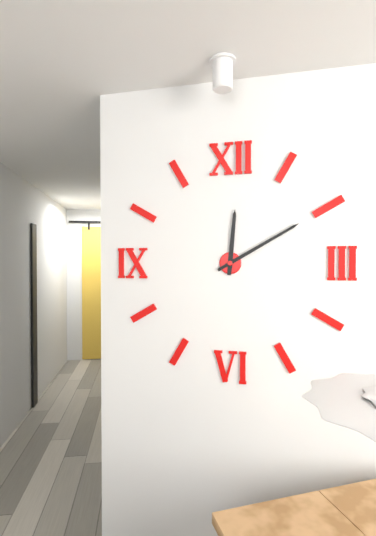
12:10
